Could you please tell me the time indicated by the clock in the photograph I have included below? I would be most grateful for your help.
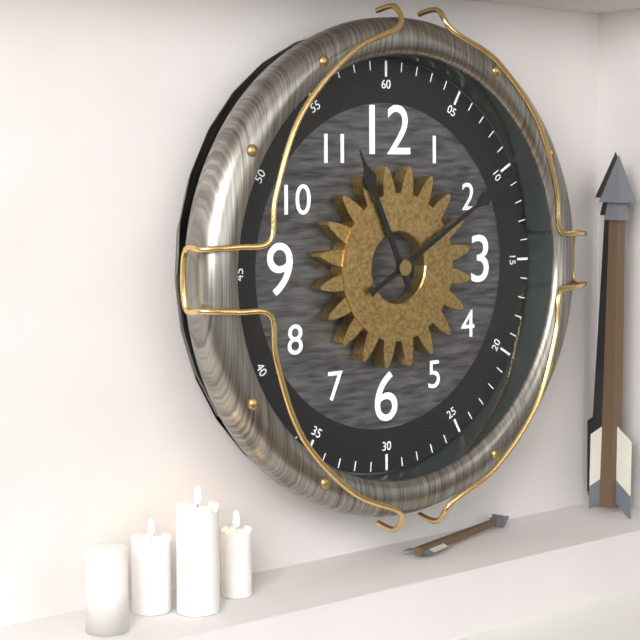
11:10
